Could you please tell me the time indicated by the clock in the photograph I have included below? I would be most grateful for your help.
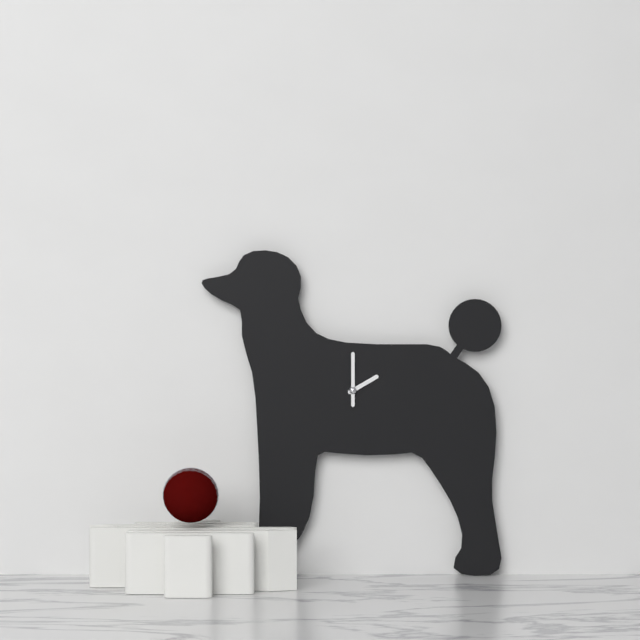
2:00
